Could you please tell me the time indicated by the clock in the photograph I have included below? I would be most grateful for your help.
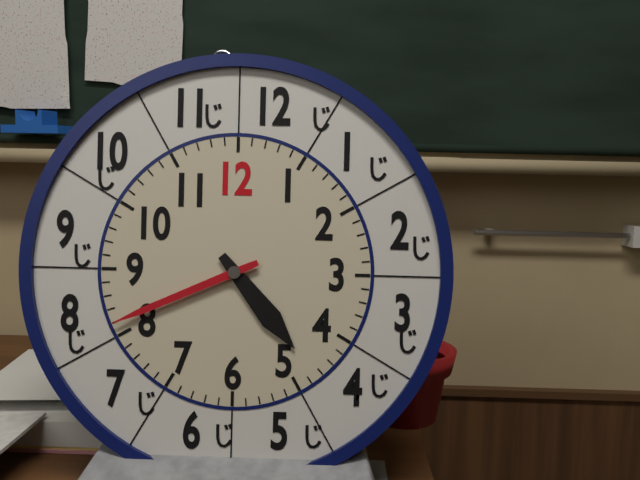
4:41
